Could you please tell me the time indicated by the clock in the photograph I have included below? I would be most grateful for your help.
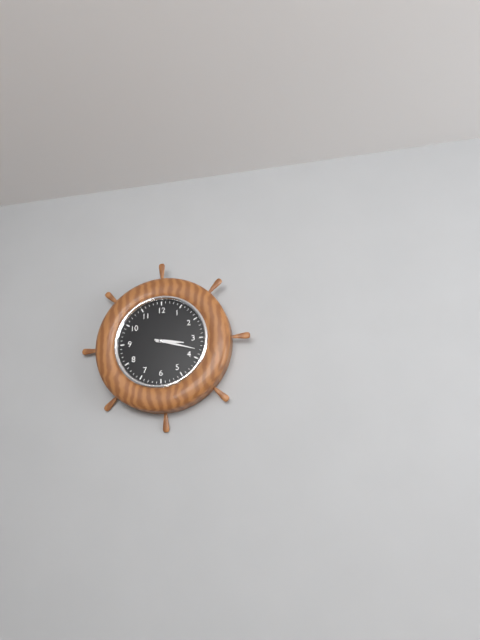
3:18
